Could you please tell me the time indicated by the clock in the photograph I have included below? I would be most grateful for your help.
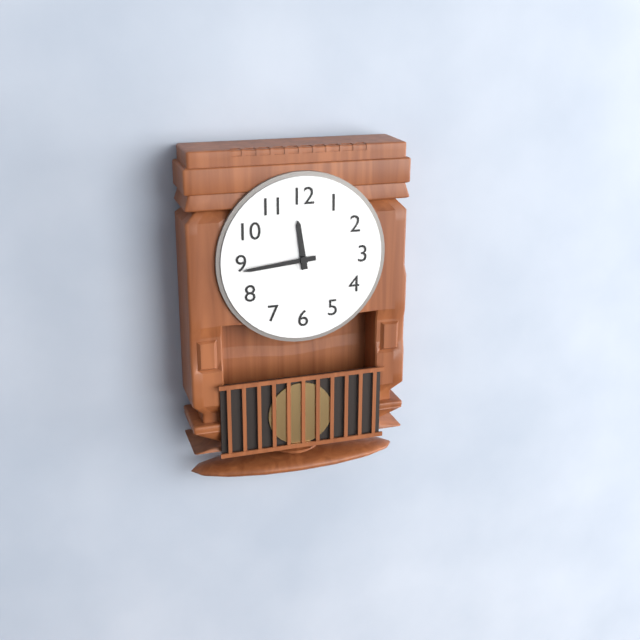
11:44
